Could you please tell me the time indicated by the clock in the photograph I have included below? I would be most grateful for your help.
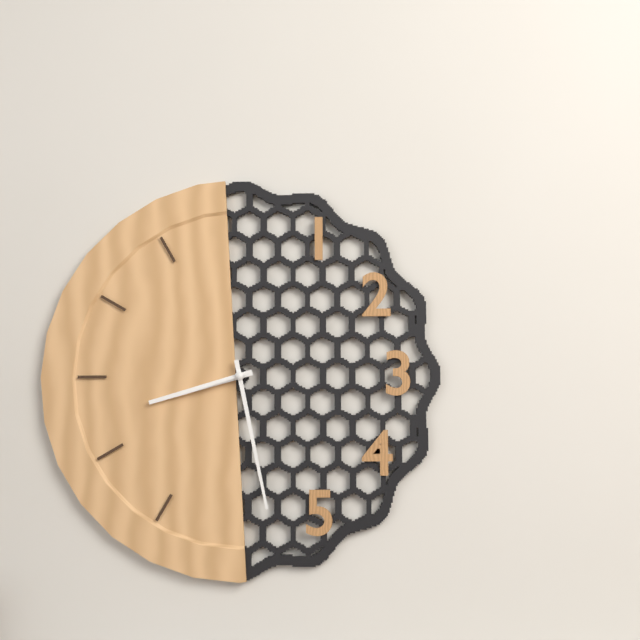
8:28:42
